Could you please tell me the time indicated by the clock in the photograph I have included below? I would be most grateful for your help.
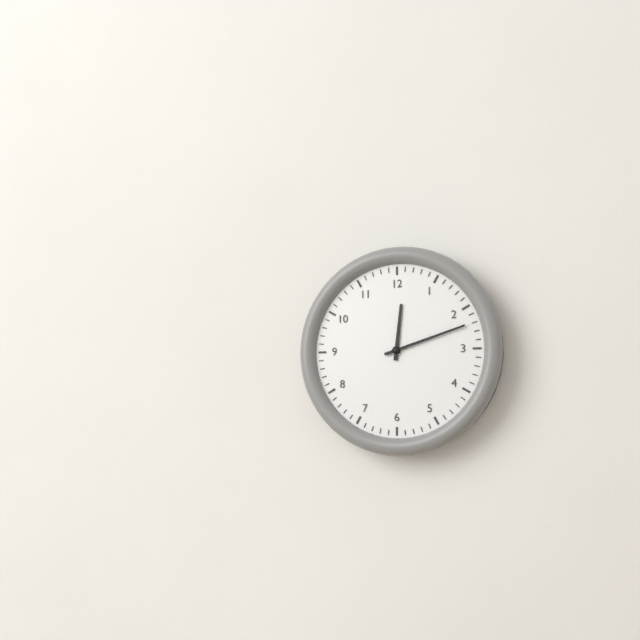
12:12
